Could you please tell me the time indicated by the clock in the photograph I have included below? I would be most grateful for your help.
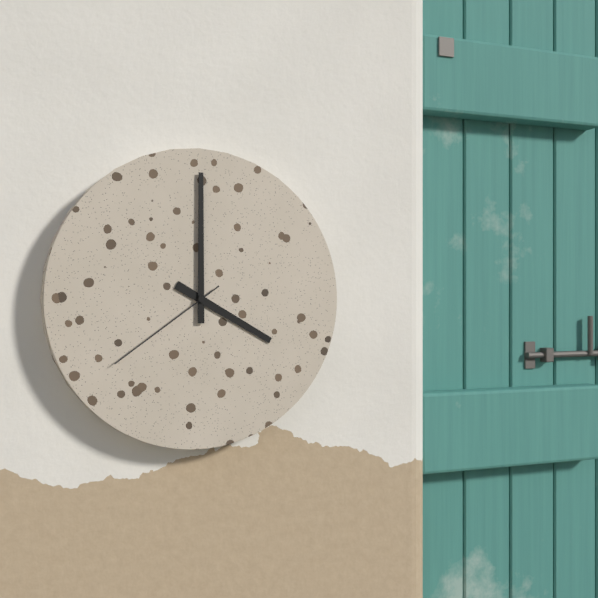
4:00:39
